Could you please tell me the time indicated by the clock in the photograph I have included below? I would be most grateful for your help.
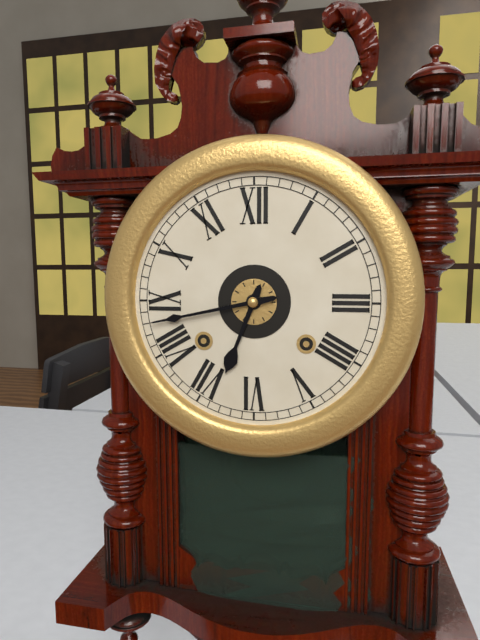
6:43
